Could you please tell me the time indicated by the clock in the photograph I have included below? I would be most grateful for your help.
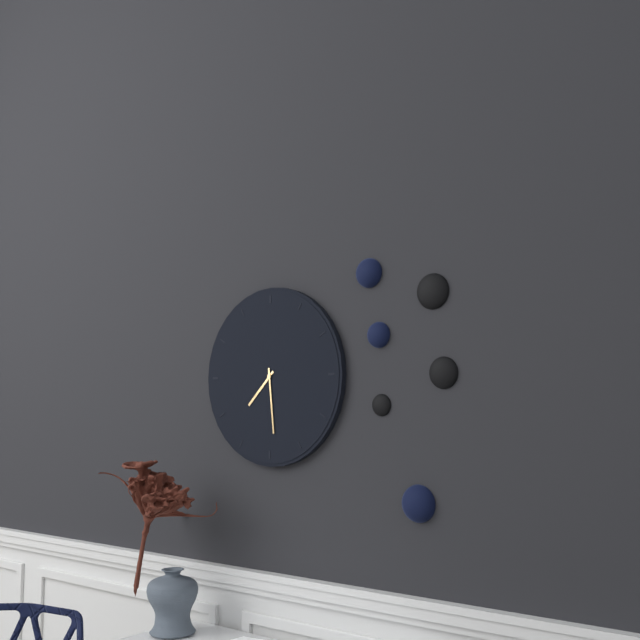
7:29
